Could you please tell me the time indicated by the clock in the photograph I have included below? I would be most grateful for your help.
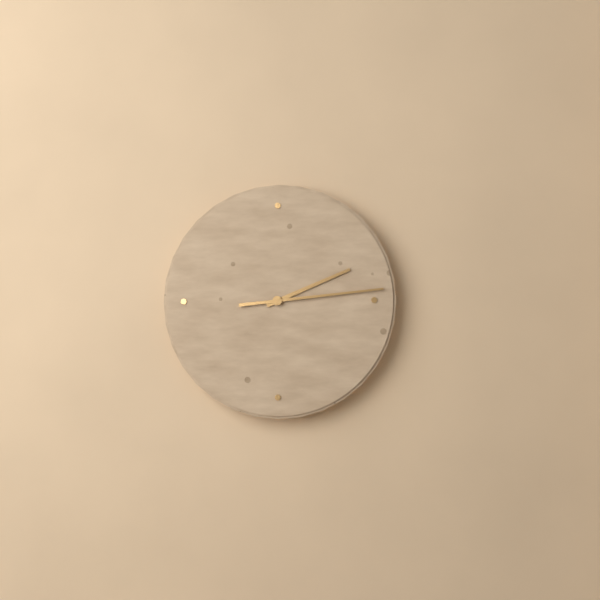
2:14
